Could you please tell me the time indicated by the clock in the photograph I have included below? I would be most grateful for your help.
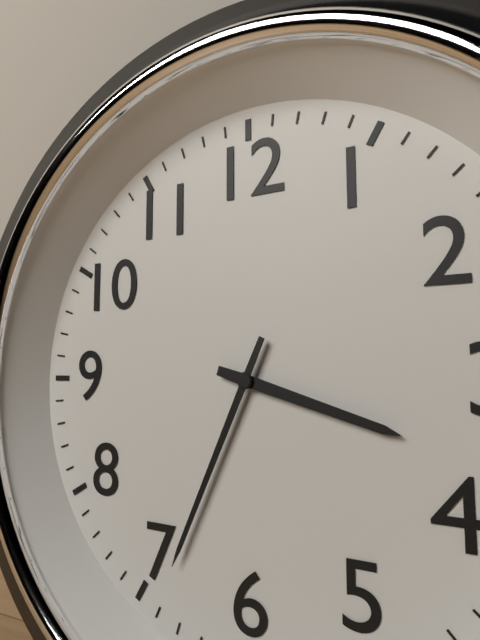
3:34
